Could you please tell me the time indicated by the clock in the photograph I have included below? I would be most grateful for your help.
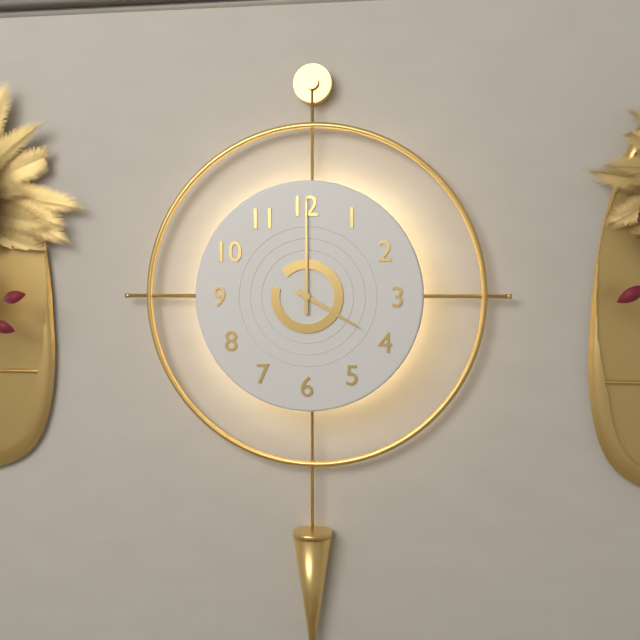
4:00
